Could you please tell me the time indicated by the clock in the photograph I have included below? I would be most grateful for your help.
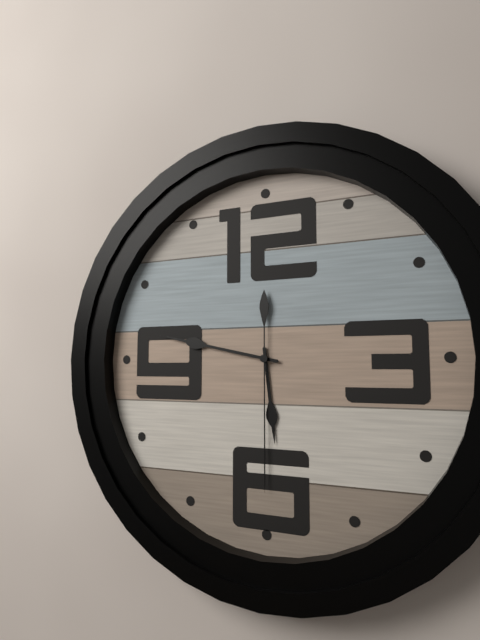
5:47:30
